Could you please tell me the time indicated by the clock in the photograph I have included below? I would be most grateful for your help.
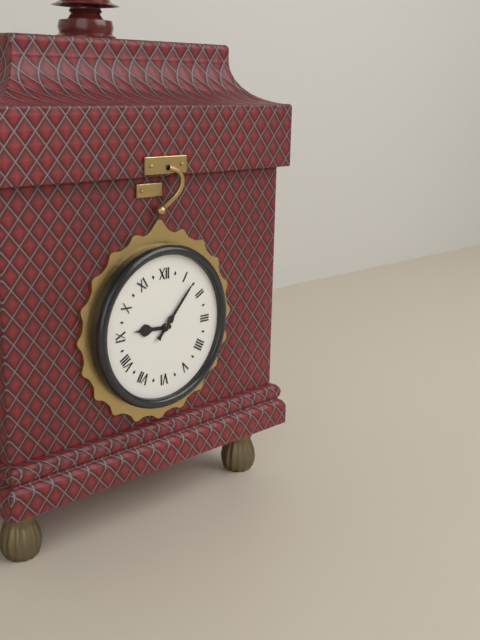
9:07
